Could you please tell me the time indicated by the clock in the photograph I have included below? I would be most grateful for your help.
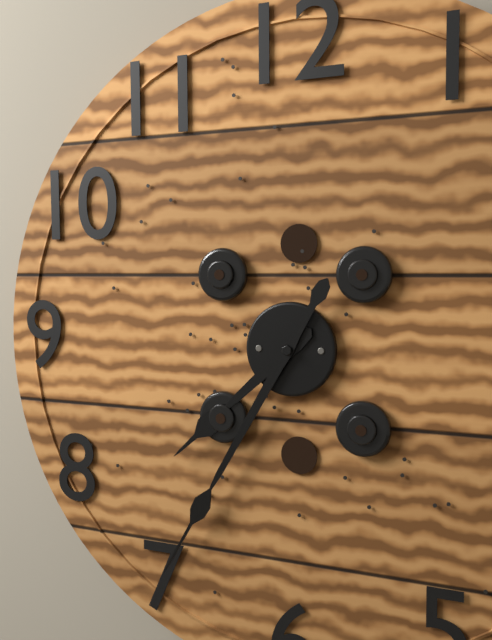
7:35
